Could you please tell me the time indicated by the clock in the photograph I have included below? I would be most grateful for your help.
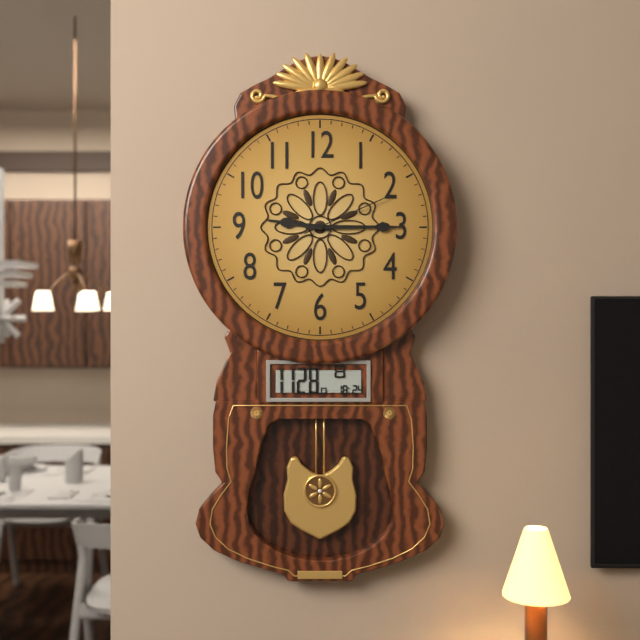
9:15:11
